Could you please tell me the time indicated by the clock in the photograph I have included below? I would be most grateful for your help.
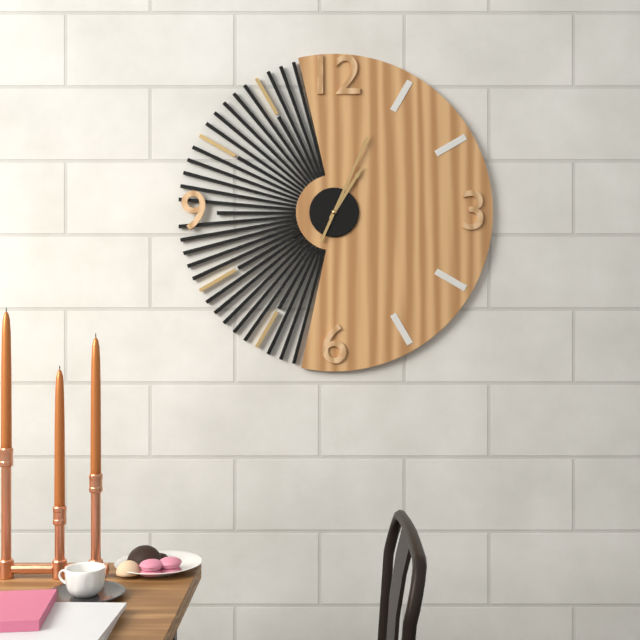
1:04
